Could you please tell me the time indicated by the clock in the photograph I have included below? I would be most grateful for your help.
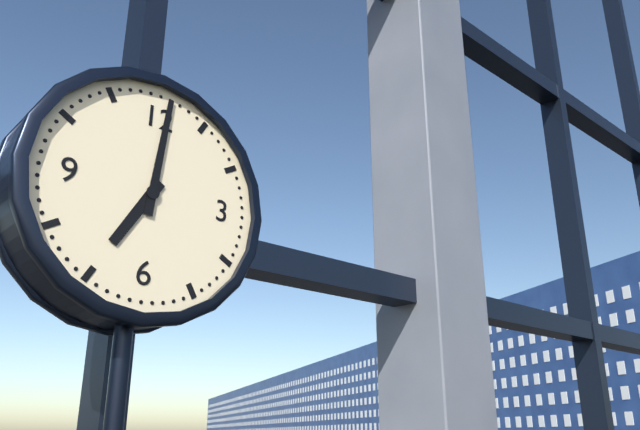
7:01
